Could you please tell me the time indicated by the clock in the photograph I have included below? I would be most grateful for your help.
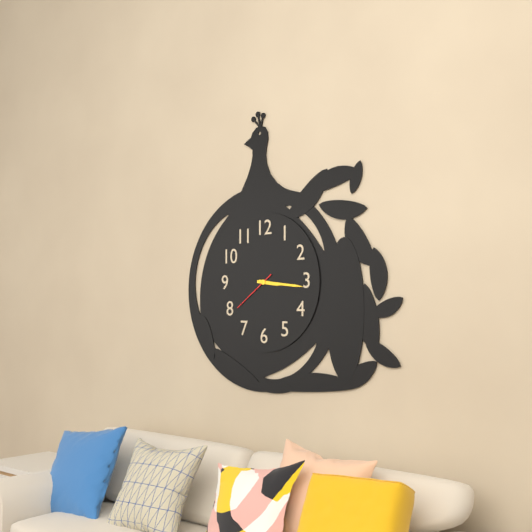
3:16
